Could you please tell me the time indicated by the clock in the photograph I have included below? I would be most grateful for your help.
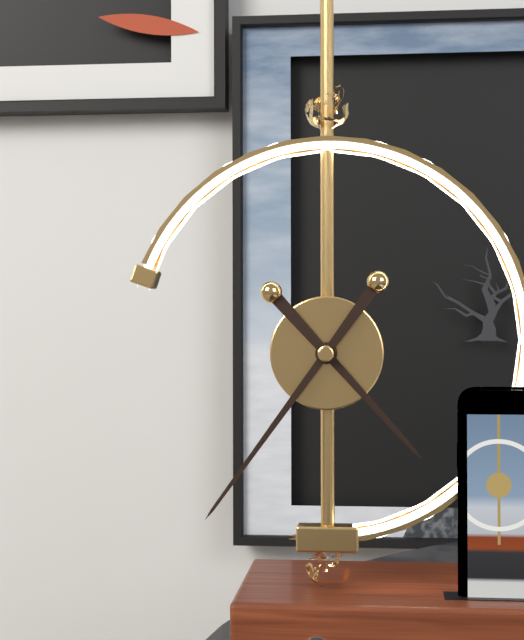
4:36
